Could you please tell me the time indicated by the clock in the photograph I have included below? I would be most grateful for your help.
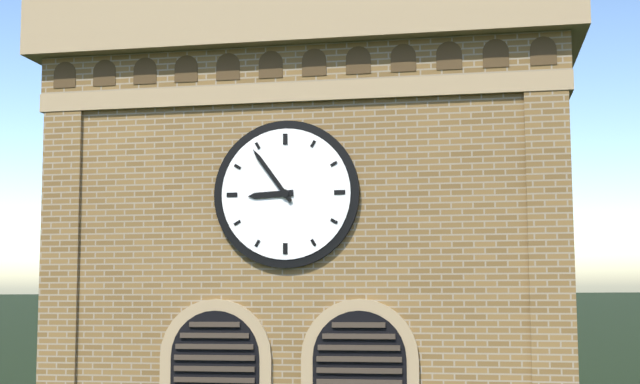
8:54
